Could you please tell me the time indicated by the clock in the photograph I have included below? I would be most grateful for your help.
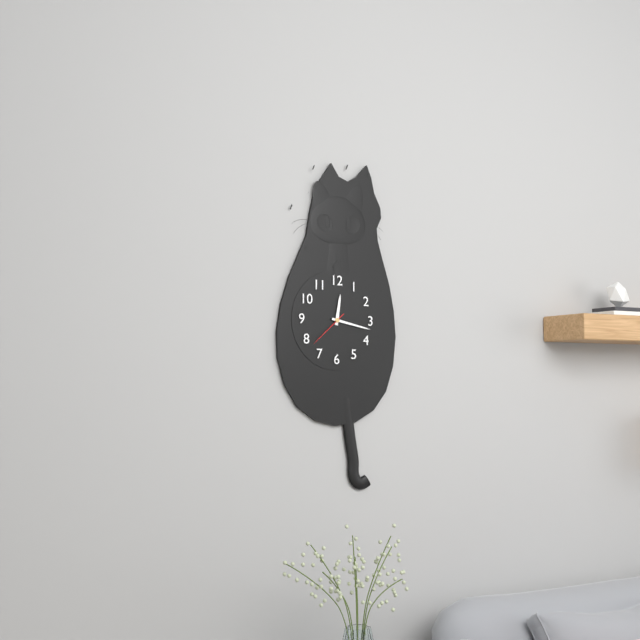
12:17
